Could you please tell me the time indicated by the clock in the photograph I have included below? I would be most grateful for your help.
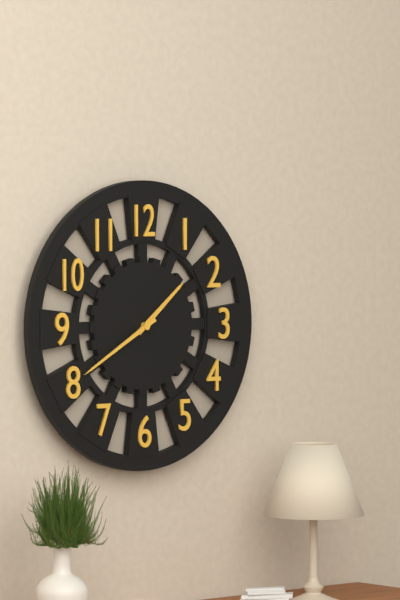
1:40
